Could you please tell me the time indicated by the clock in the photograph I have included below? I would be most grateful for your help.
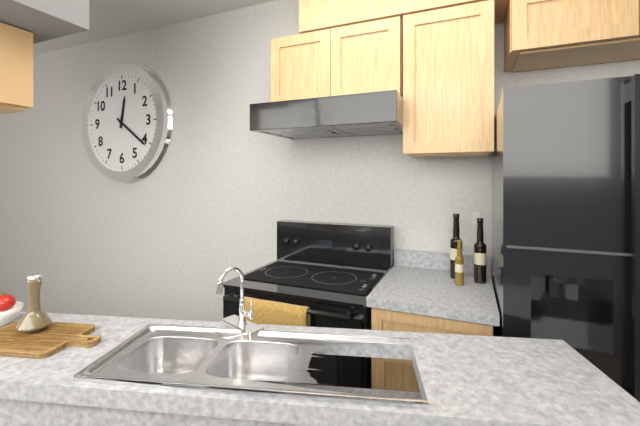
12:21
